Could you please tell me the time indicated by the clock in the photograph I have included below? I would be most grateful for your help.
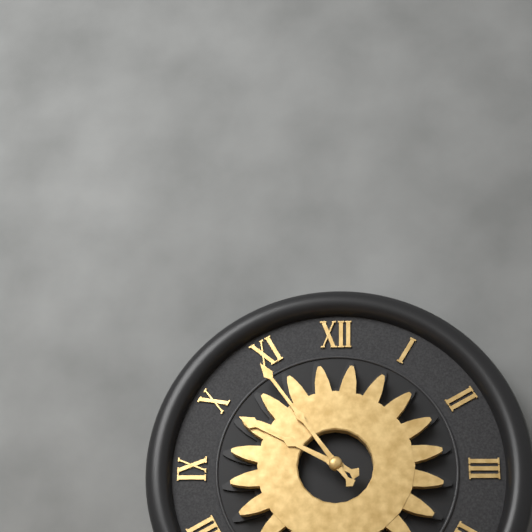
9:54
